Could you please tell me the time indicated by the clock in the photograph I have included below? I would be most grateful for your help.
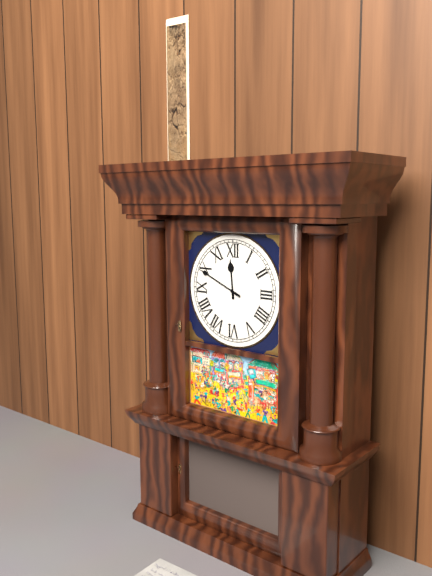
11:49
